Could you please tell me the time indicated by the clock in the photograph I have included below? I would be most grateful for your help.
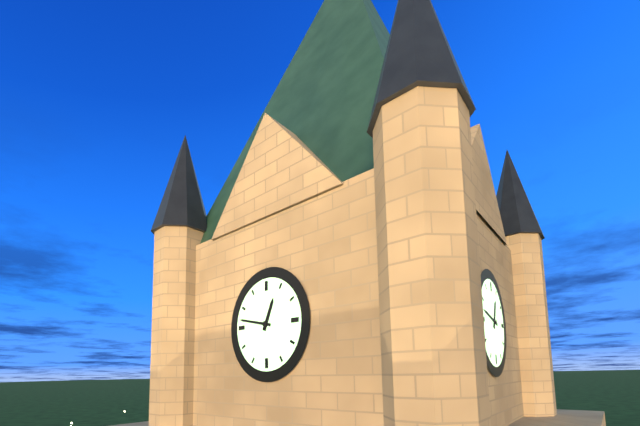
12:47
